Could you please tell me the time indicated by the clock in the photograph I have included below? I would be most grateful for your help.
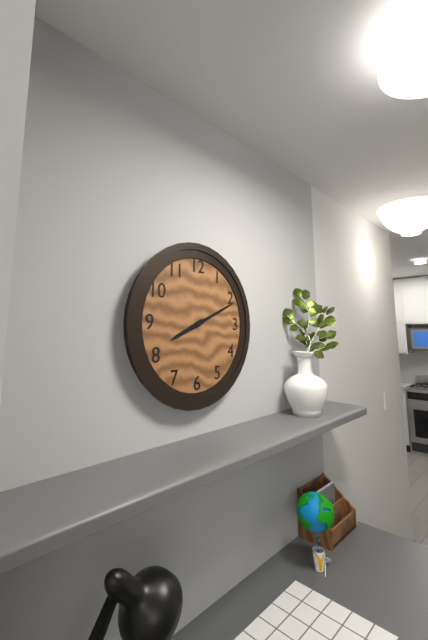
8:11
